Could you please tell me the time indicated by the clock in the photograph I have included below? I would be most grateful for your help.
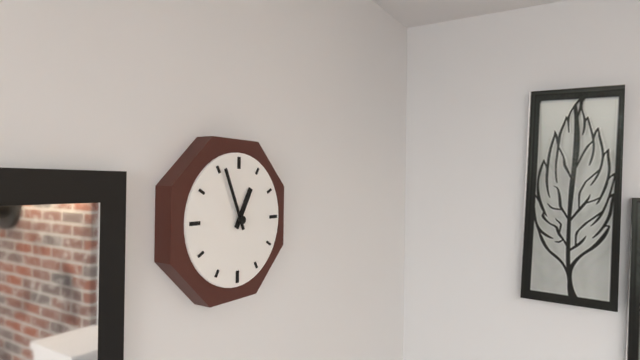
12:56
